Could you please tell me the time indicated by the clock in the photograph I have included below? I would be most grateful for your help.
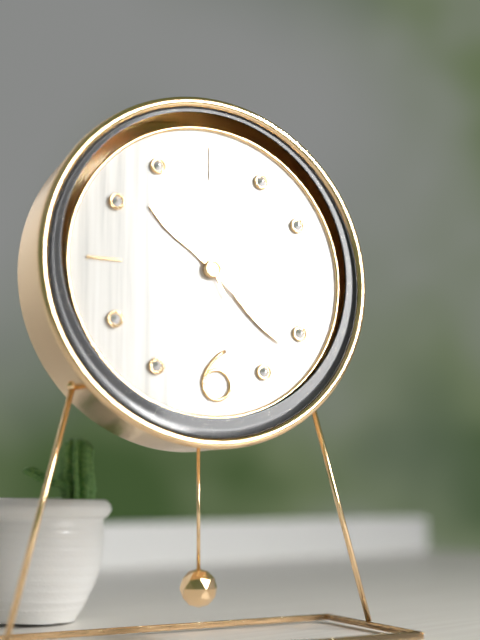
10:22:55
